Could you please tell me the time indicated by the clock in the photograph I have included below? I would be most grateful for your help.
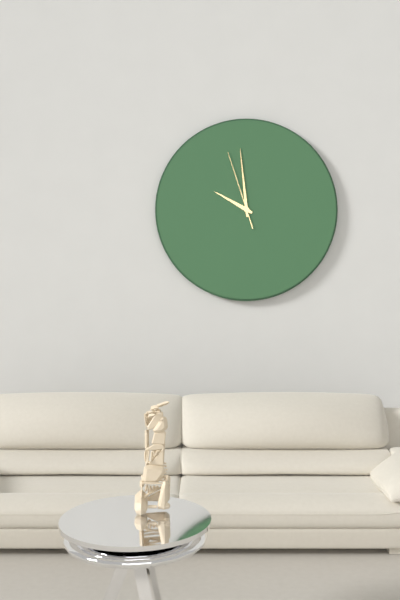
9:59:57
